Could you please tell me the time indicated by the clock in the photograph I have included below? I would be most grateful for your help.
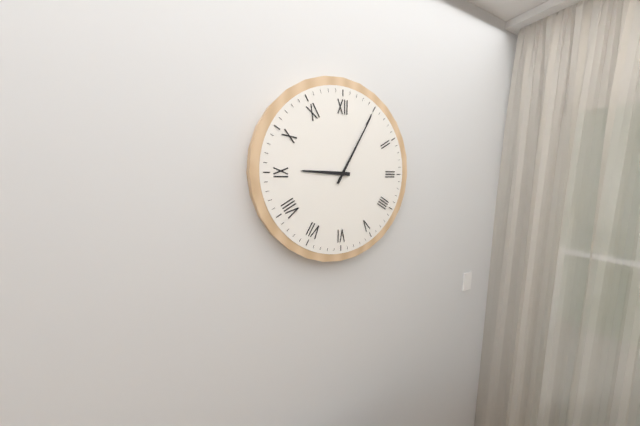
9:05
